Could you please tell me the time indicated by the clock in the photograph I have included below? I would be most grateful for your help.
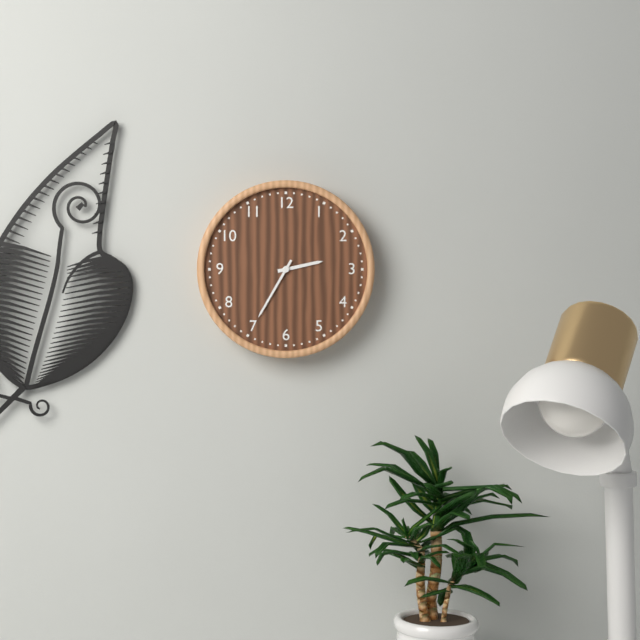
2:35
